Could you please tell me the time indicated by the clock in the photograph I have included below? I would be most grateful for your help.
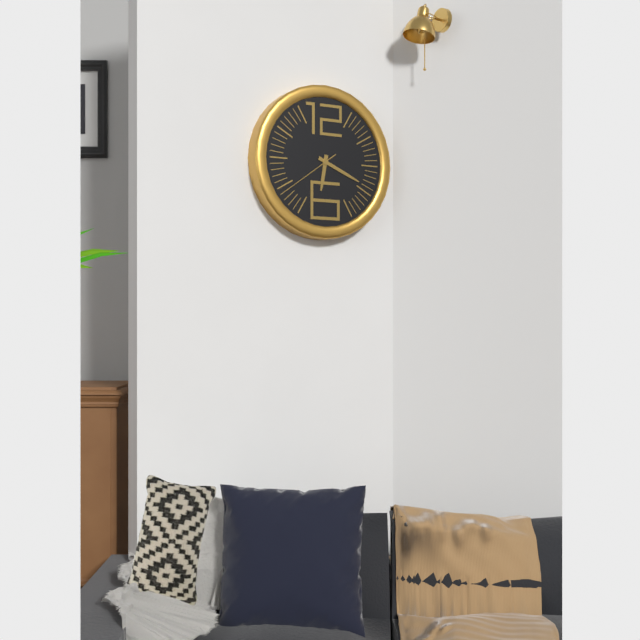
6:19:39
